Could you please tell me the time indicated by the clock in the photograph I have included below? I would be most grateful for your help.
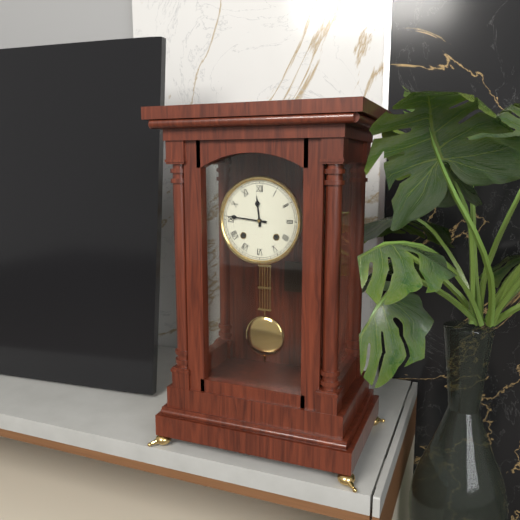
11:46
